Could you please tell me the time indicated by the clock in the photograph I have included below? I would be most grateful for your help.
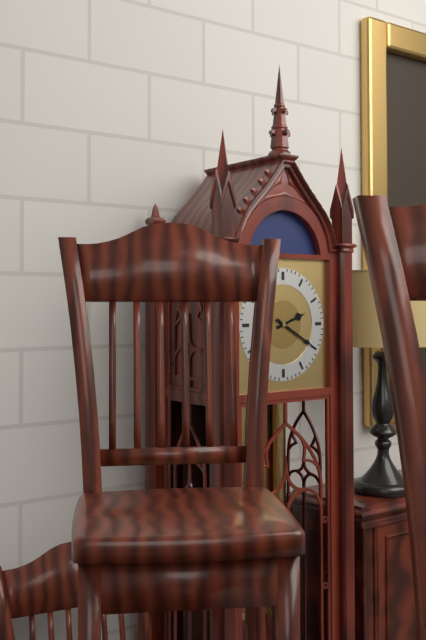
2:20
